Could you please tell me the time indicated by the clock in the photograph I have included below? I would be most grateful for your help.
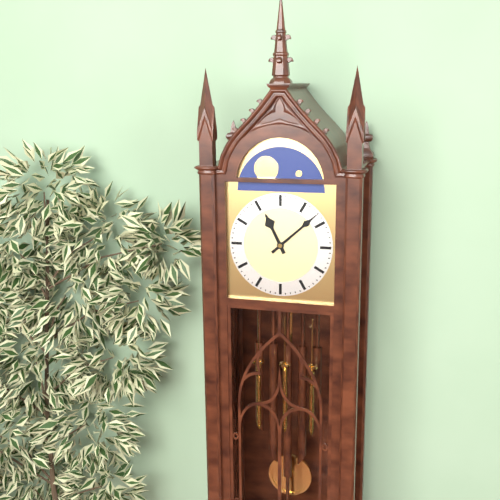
11:08
